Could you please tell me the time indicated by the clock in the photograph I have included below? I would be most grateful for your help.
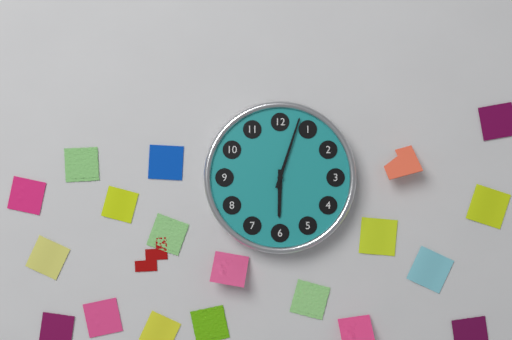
6:03
